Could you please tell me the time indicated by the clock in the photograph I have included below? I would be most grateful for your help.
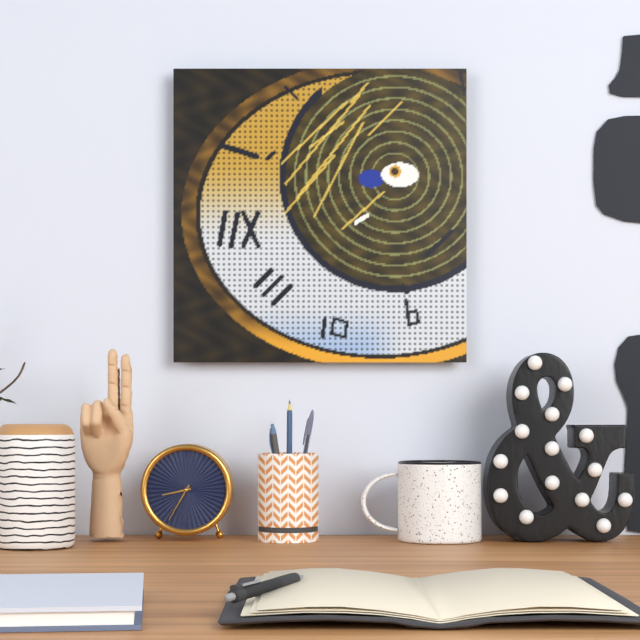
8:35
